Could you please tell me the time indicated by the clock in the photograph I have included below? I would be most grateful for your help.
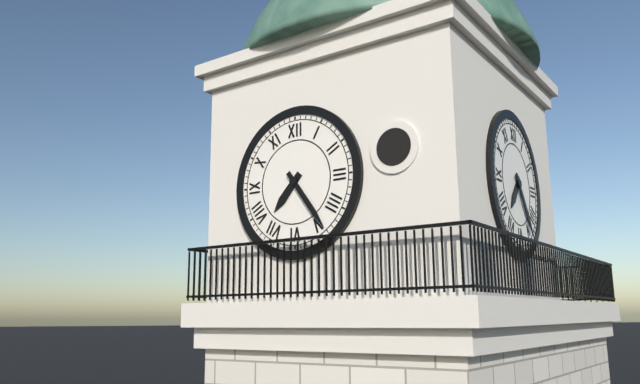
7:24
